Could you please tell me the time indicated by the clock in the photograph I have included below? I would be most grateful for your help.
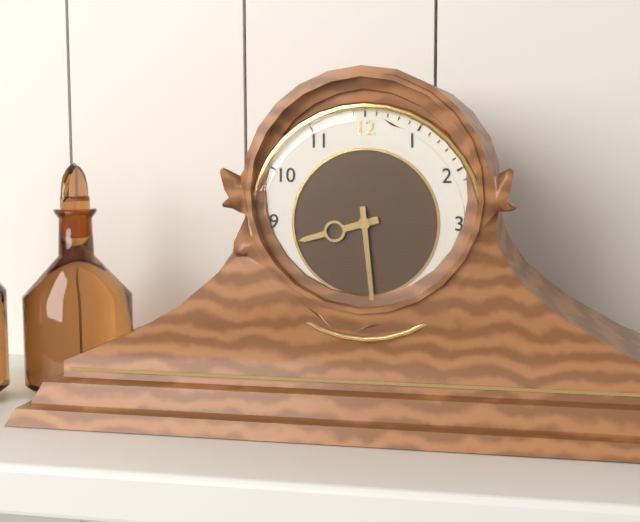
8:29
